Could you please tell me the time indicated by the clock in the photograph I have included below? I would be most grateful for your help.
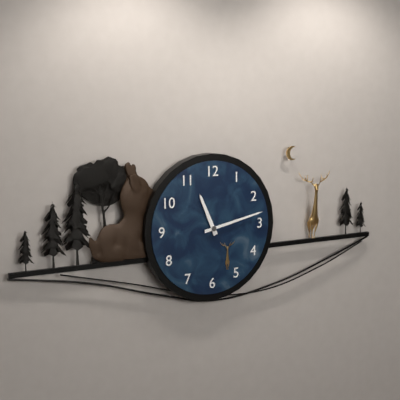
11:13
